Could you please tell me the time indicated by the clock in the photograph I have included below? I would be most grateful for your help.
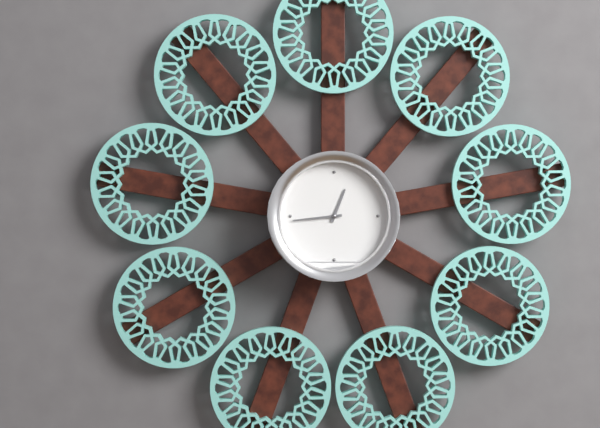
12:44
